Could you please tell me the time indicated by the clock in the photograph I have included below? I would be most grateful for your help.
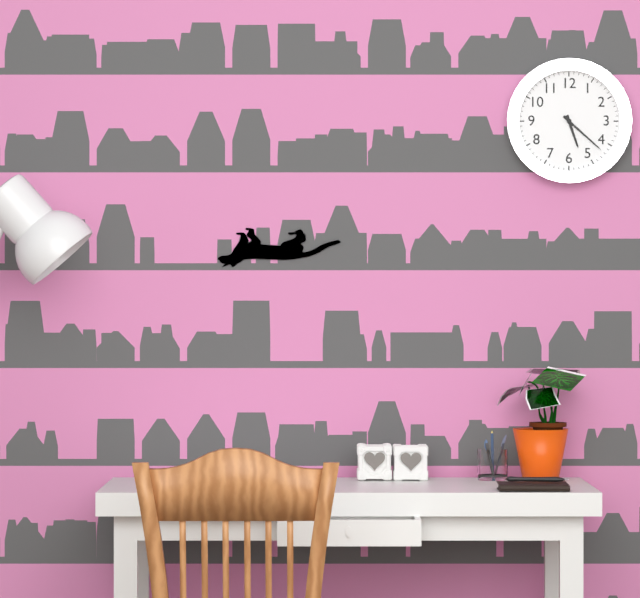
5:22
